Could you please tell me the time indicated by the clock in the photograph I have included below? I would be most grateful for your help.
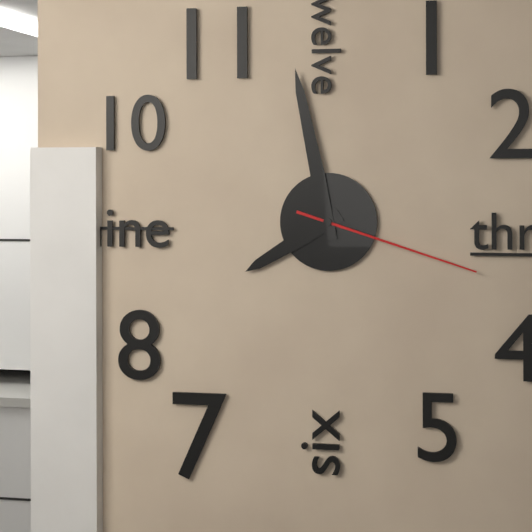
7:58:18
